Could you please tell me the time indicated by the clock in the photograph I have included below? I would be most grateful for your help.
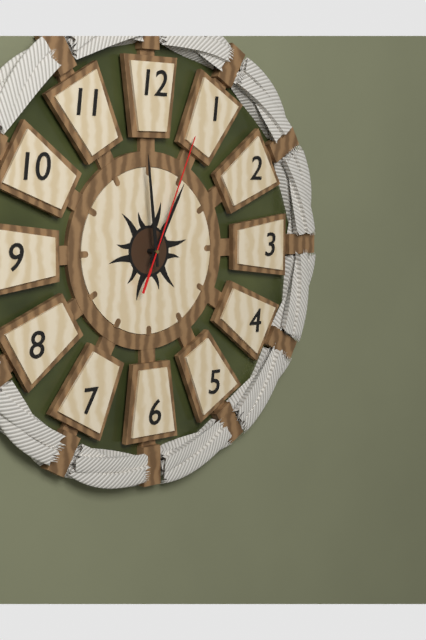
12:59:04
